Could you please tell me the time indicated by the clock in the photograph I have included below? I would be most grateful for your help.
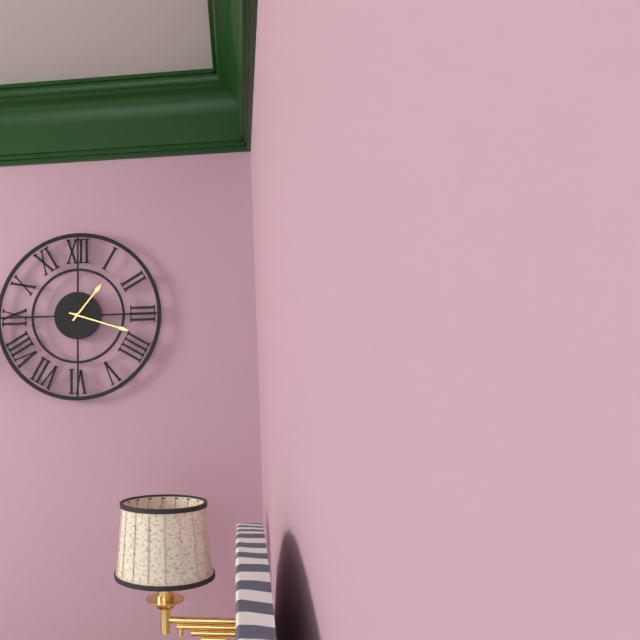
1:18
